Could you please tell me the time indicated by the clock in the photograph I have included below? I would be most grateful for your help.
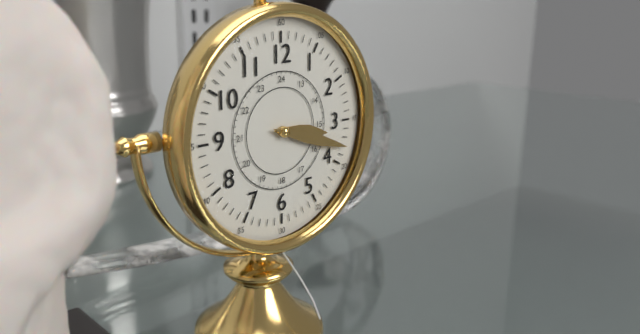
3:18
